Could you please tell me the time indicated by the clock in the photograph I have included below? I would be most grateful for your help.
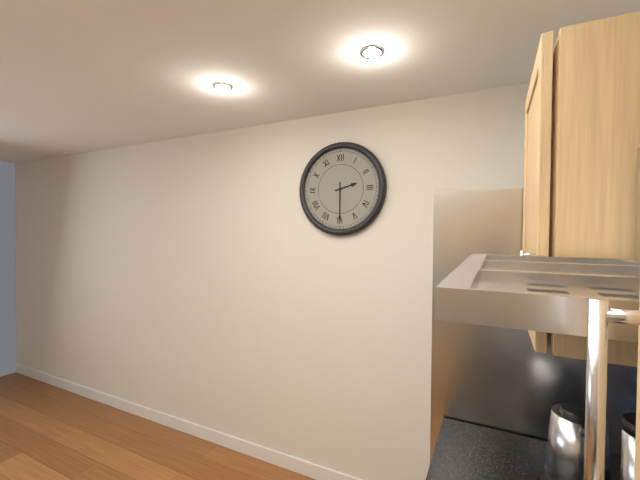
2:30
